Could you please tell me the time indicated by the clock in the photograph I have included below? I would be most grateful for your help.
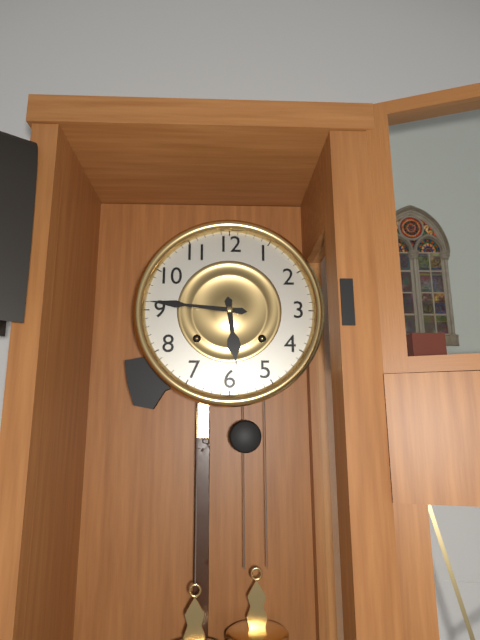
5:46
